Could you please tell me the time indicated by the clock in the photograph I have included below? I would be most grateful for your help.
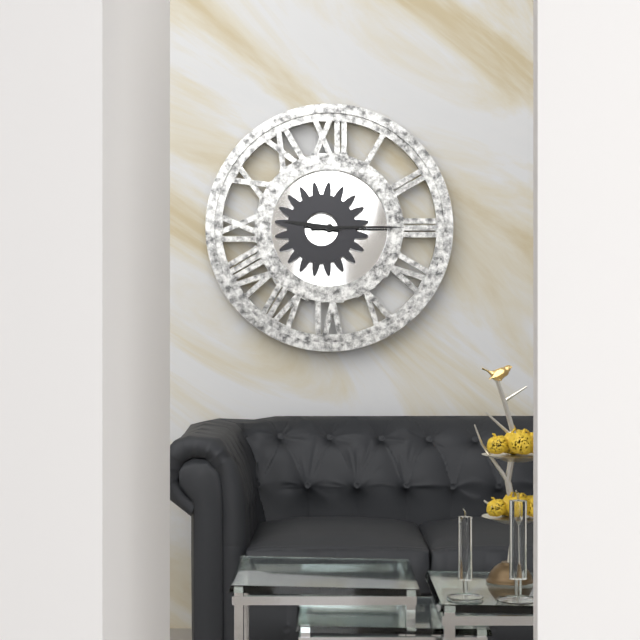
9:15
